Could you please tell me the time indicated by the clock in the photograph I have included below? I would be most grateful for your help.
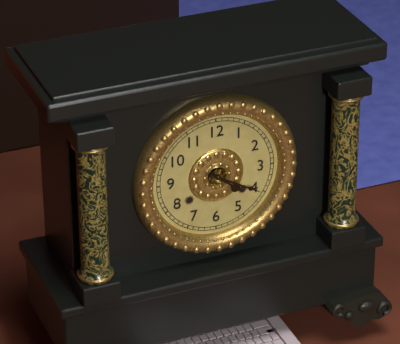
4:20
